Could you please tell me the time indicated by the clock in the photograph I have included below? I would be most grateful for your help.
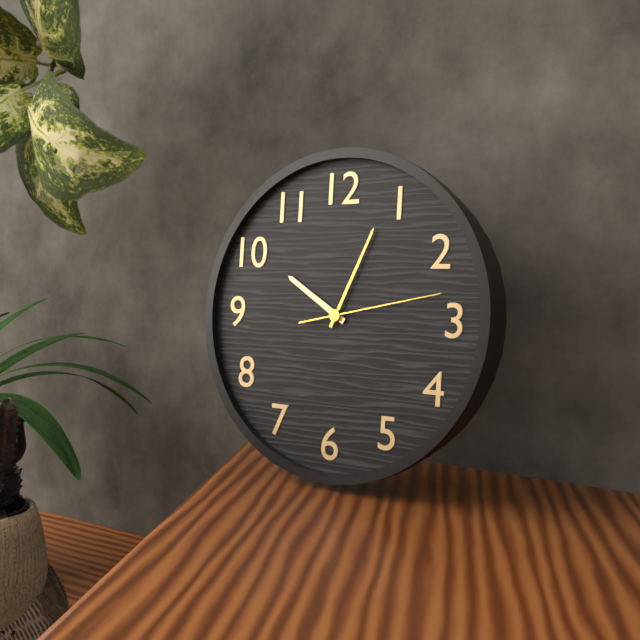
10:04:13
